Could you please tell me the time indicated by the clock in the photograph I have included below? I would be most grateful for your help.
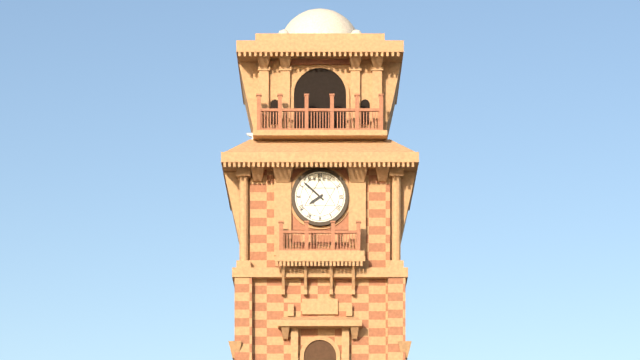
7:52
